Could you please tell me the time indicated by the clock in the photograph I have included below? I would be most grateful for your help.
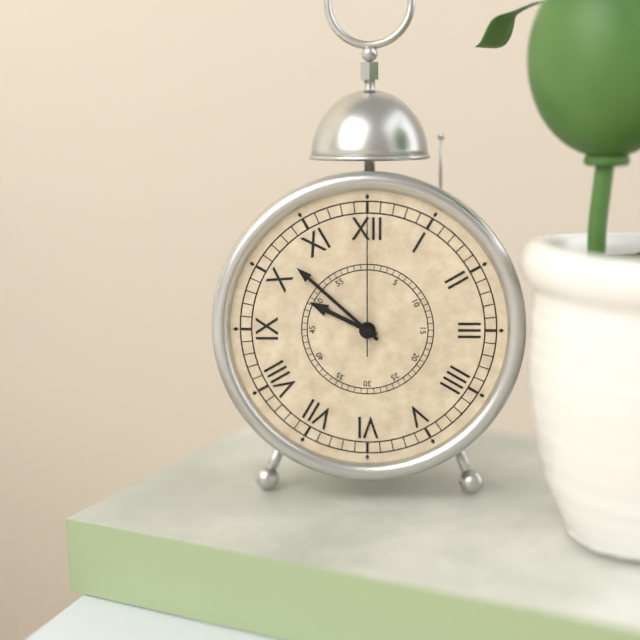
9:52:00
